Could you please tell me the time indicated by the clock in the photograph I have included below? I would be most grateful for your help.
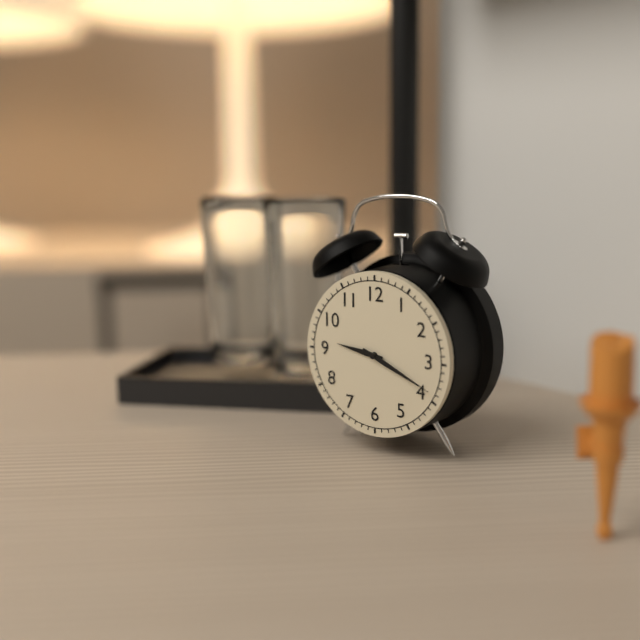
9:19
